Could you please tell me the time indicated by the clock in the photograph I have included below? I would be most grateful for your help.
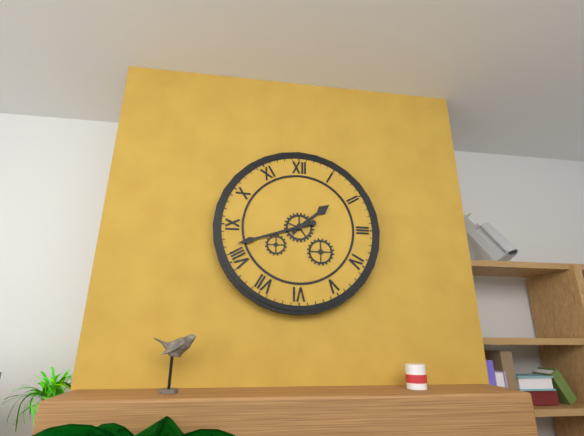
1:42
